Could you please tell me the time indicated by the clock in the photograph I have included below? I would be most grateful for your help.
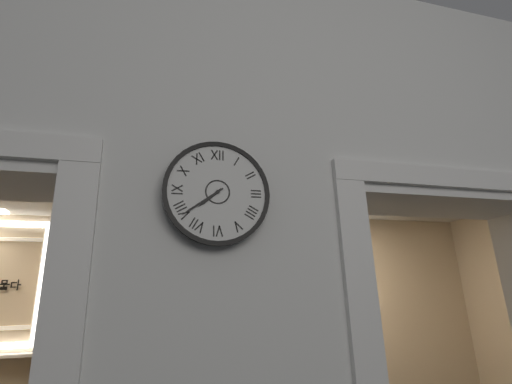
7:39
